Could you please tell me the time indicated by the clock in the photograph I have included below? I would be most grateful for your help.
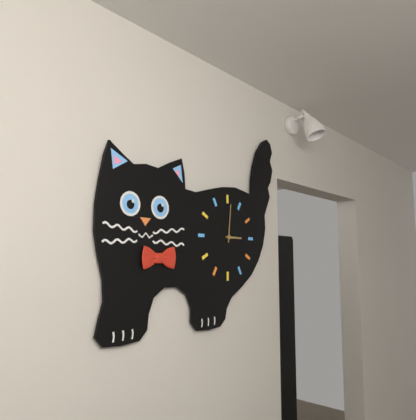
3:01
